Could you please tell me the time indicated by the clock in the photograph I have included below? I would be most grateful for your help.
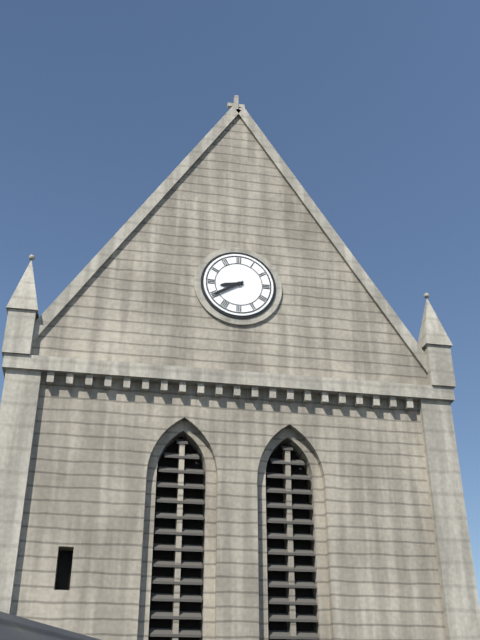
8:40
